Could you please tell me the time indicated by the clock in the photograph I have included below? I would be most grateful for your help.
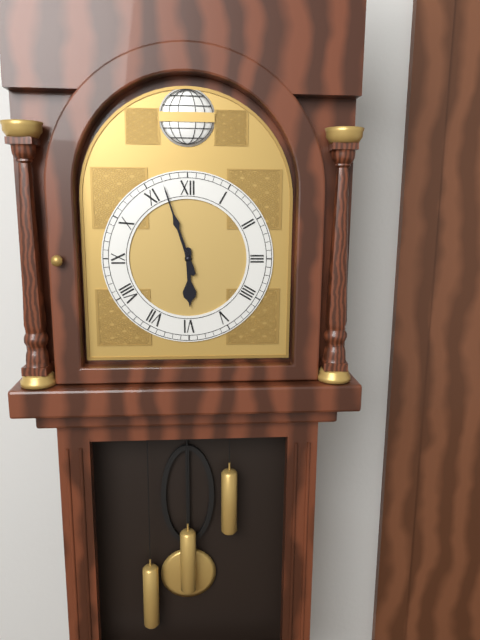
5:57
